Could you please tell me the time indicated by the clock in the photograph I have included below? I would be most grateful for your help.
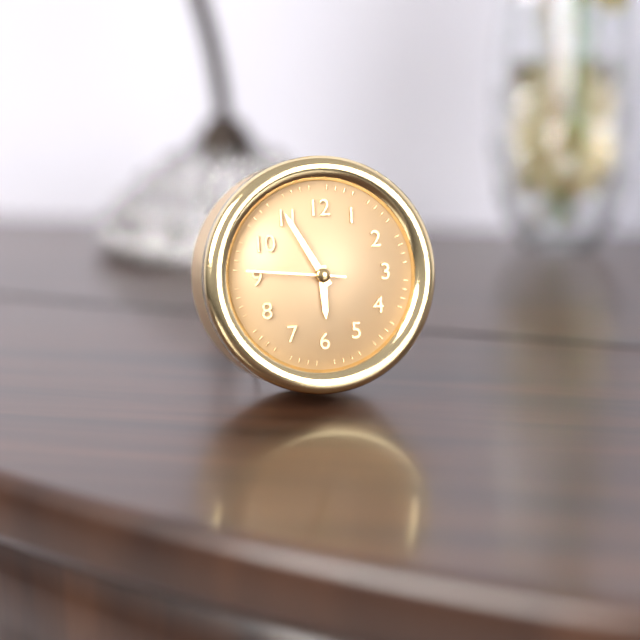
5:55:46
